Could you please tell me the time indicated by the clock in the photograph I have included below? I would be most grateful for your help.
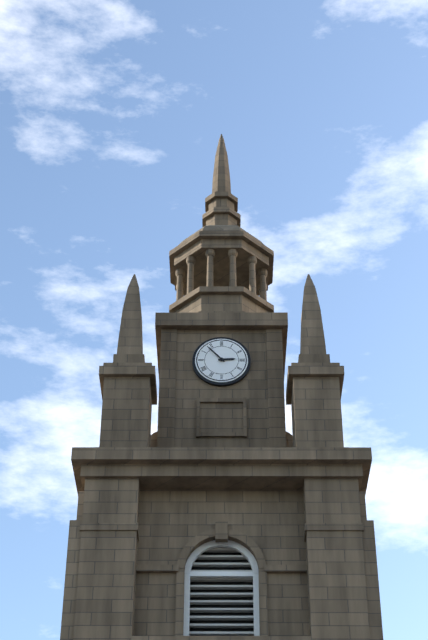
2:53
